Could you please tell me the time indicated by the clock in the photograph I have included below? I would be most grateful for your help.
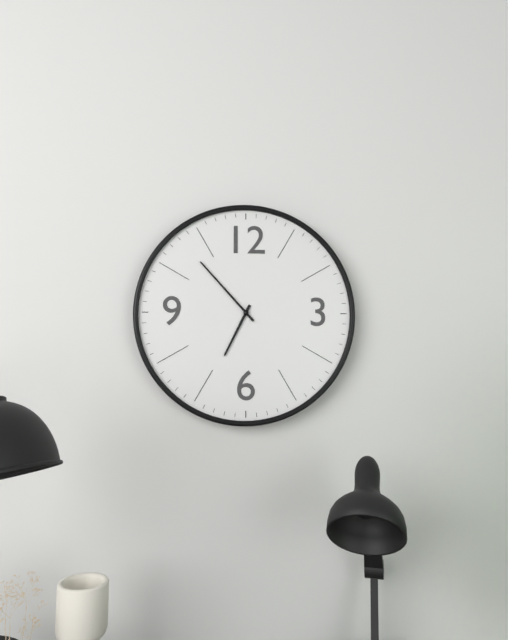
6:53
